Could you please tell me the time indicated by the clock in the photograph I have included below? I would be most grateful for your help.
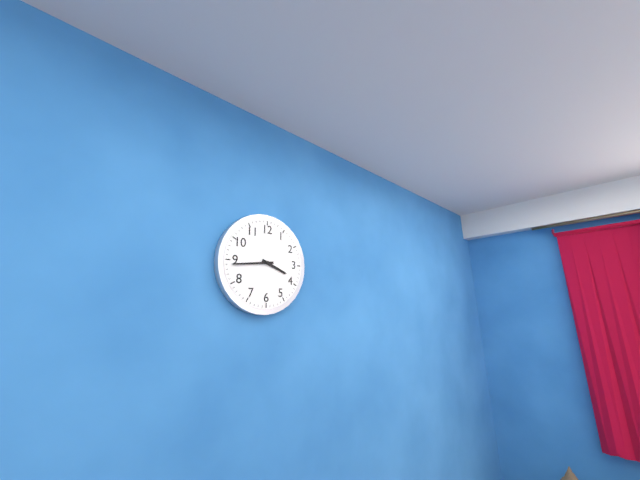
3:44
